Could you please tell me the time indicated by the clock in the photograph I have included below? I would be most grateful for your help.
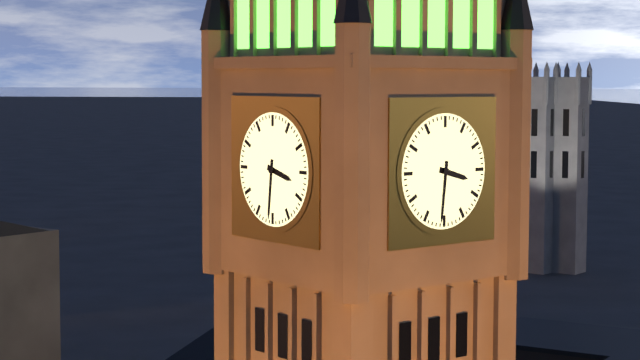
3:31
